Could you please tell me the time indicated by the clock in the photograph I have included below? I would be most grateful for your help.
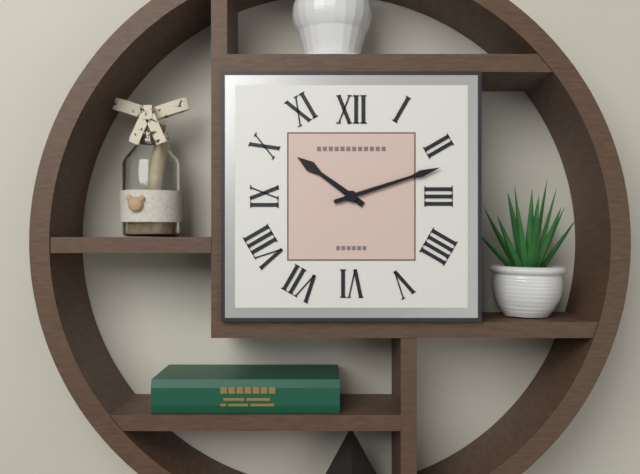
10:12
